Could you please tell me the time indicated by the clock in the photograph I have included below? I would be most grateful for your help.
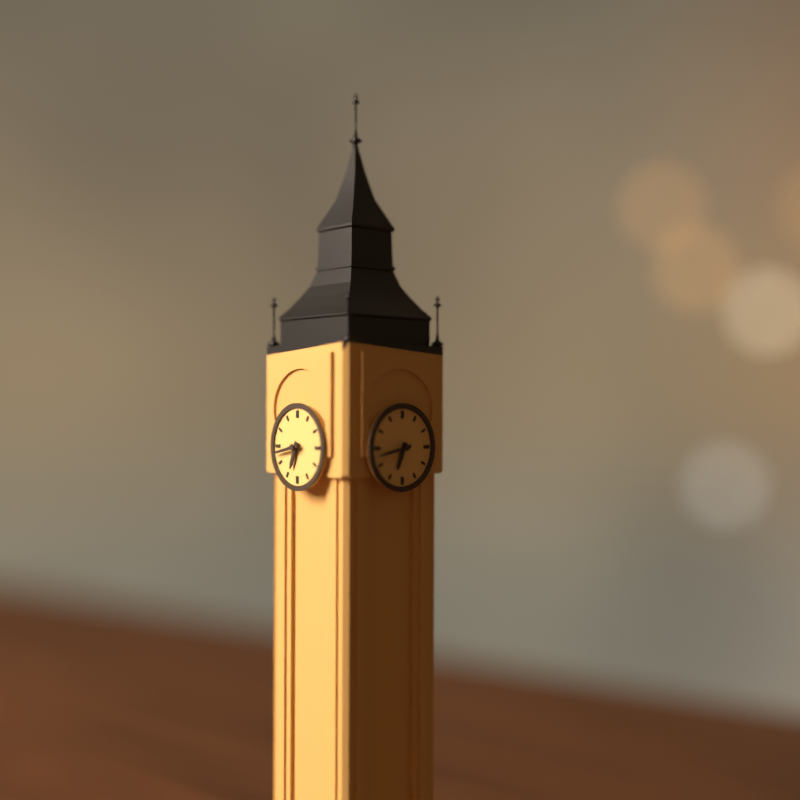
6:43
